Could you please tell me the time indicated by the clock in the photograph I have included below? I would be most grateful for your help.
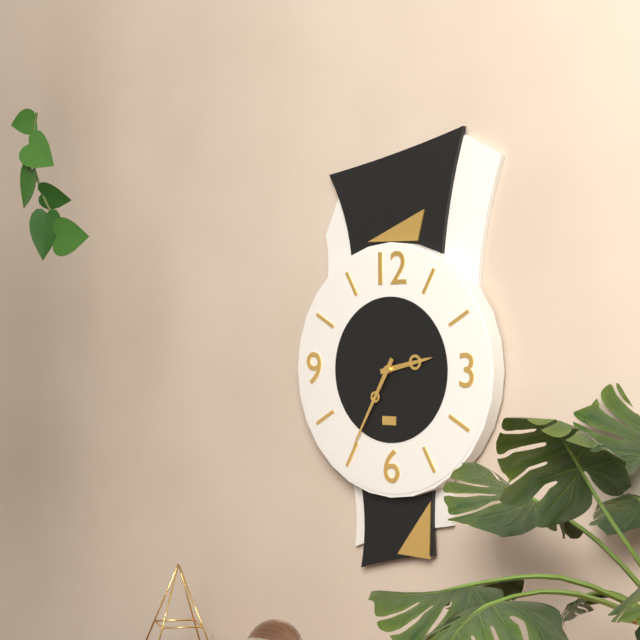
2:35
